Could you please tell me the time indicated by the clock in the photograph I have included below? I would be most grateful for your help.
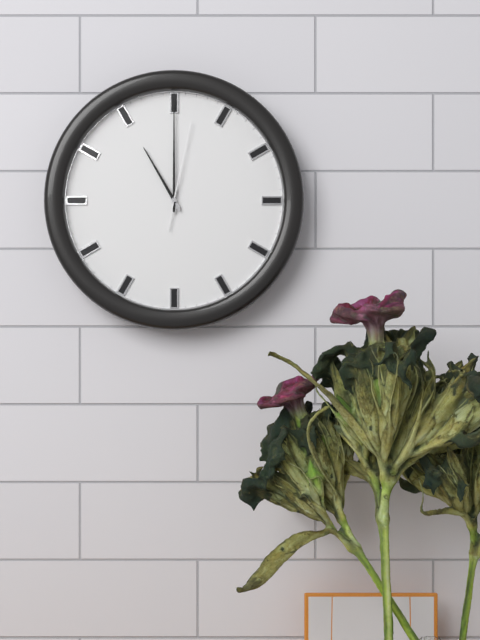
11:00:02
